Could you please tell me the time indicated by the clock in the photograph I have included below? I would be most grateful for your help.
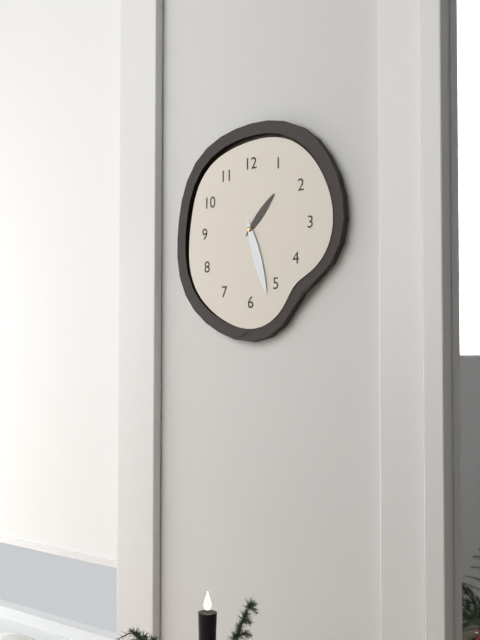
1:27
